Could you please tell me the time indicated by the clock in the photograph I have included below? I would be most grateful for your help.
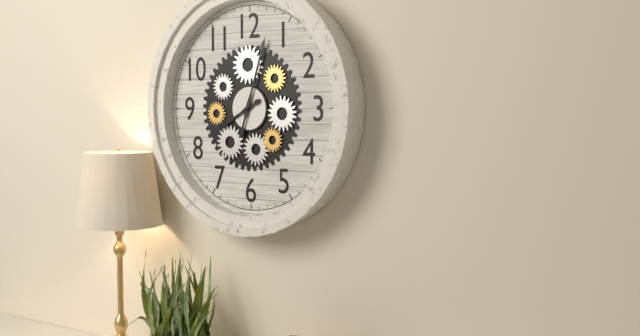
8:03
